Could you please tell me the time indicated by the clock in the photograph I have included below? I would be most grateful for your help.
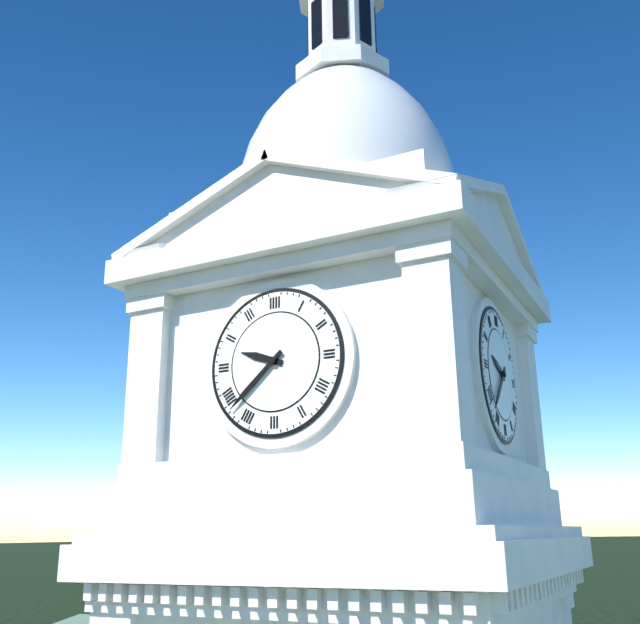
9:38
